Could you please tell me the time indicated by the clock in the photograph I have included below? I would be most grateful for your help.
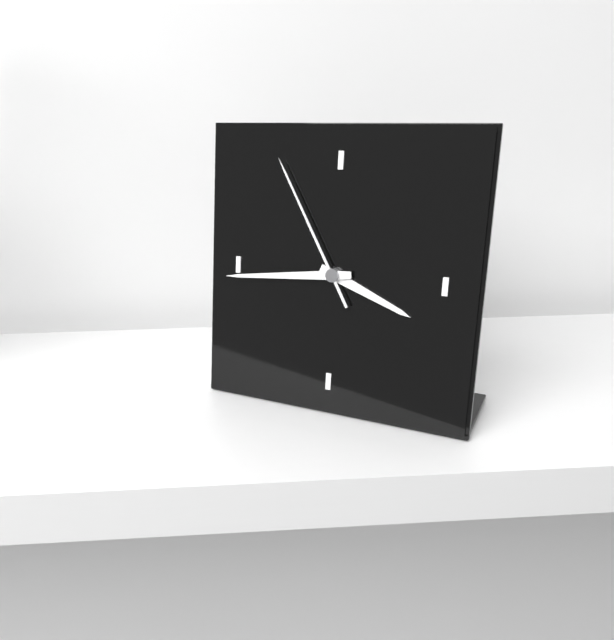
3:44:55
